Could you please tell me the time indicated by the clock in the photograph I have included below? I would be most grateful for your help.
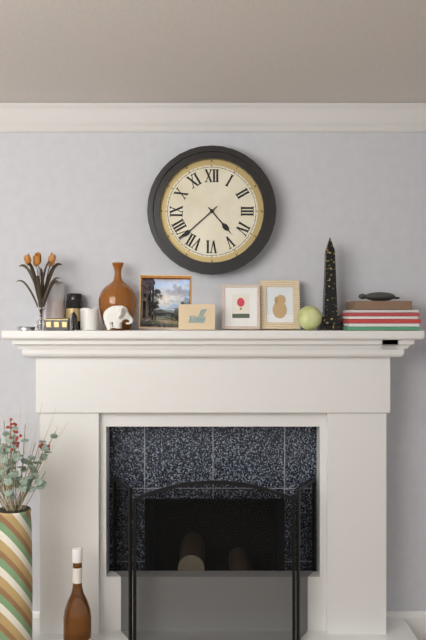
4:38
